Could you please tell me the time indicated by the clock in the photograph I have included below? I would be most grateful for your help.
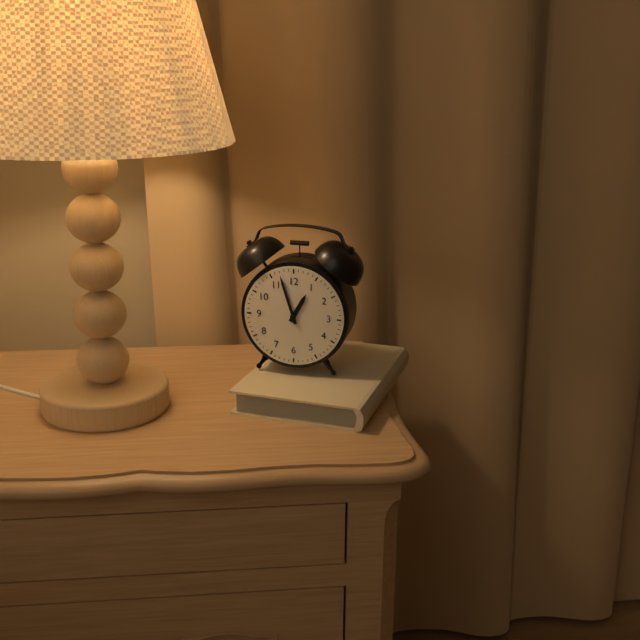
12:57
